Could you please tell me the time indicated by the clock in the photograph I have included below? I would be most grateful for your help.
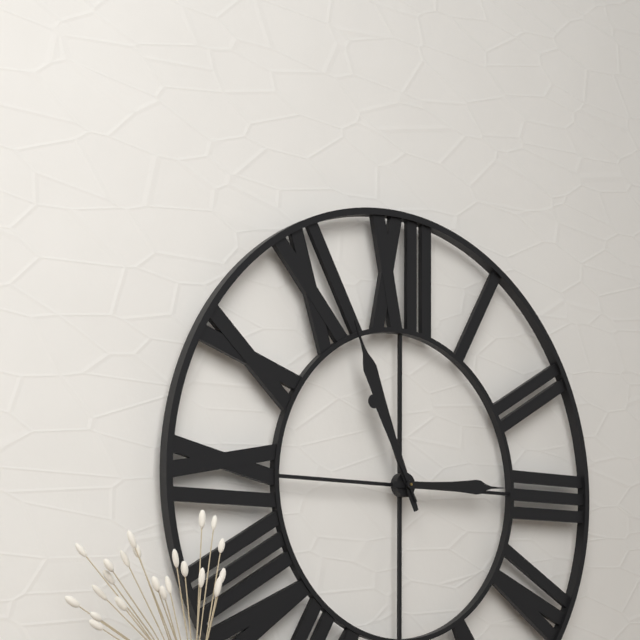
2:56:55
